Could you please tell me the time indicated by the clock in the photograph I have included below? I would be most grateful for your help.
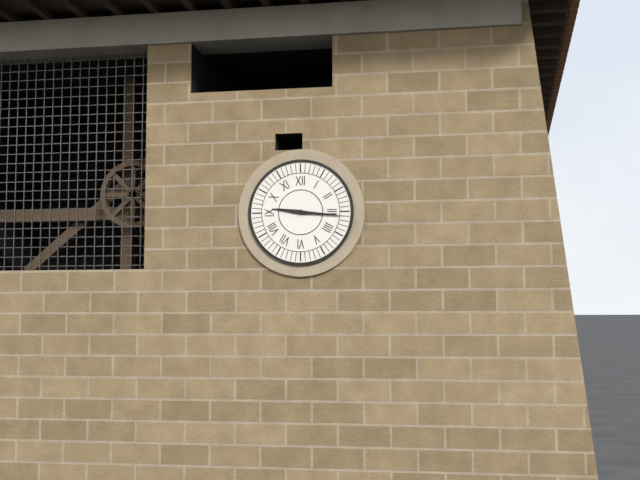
9:16
